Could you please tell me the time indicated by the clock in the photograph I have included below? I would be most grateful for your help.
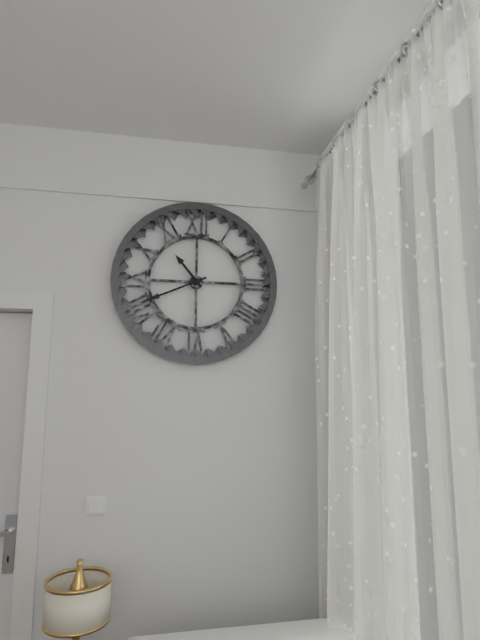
10:41
